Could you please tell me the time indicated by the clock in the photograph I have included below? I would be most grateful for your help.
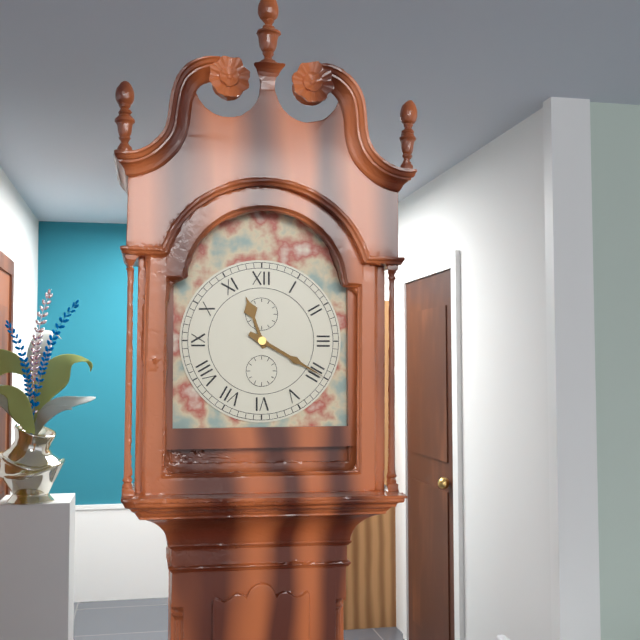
11:20
